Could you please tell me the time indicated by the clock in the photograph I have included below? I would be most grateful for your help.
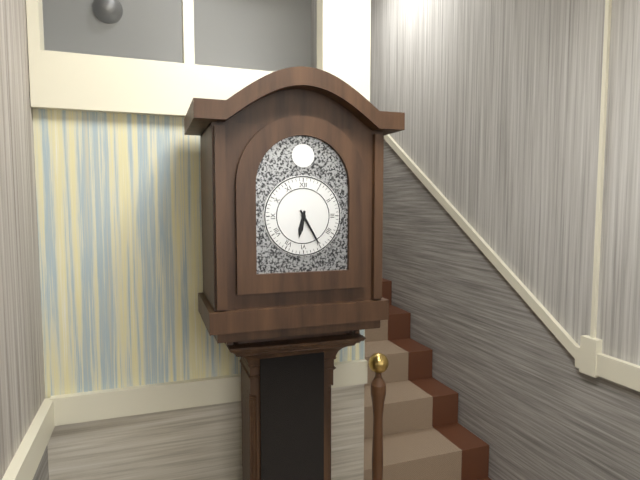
6:25
